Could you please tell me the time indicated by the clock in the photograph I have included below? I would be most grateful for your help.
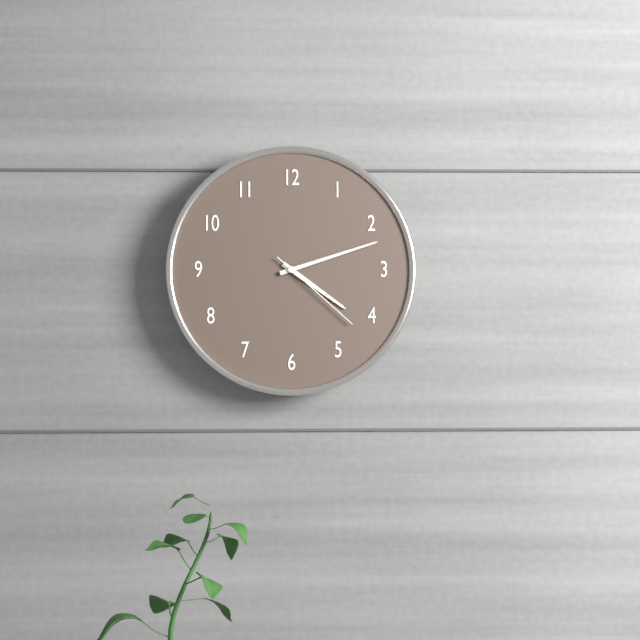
4:12:22
